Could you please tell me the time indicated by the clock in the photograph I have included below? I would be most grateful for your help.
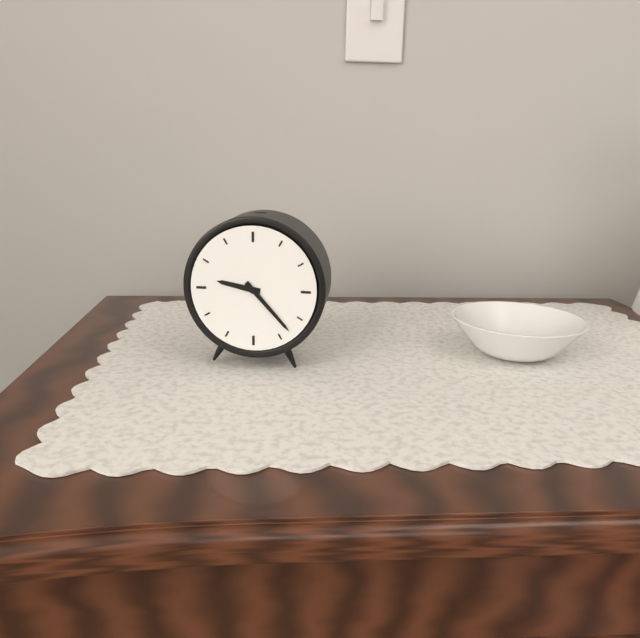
9:23
